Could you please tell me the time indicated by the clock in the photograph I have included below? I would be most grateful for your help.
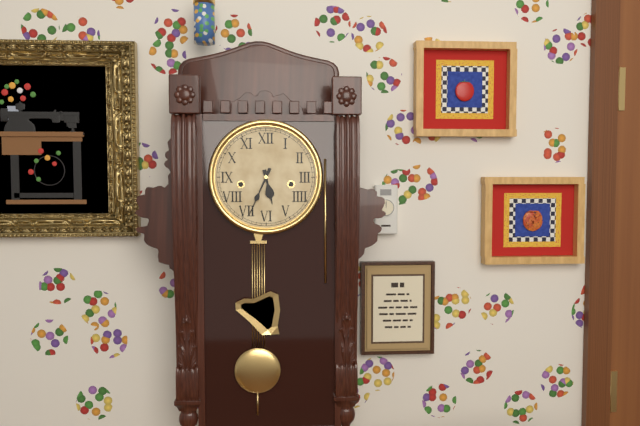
5:34
